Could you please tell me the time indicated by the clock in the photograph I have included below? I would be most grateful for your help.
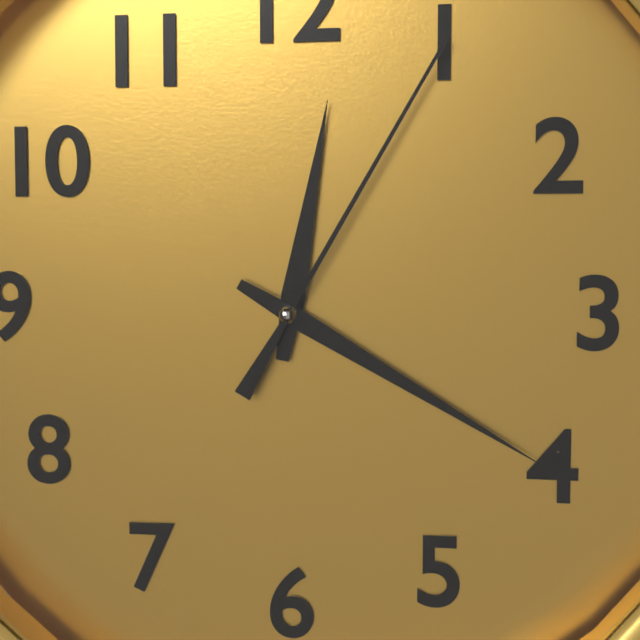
12:20:05
